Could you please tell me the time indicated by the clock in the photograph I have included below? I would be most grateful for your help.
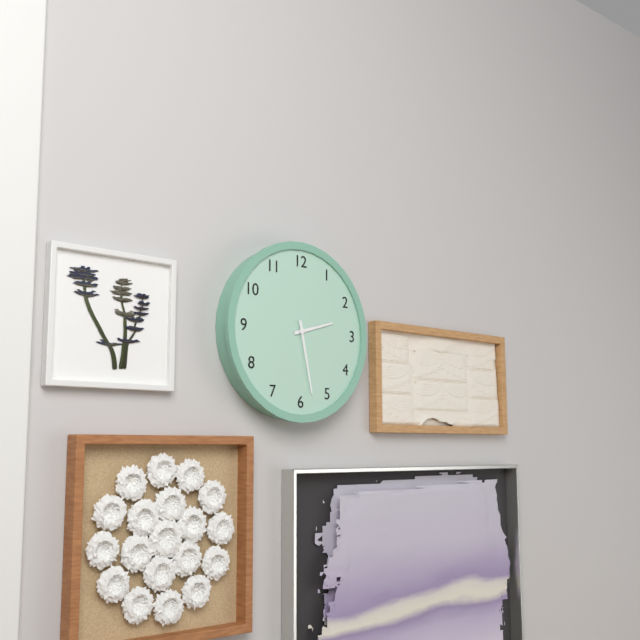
2:28
